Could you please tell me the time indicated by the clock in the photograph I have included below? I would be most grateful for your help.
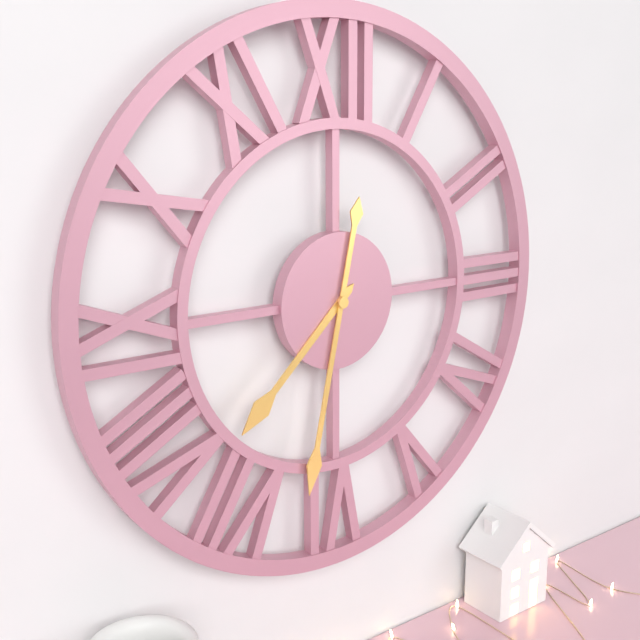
7:32
